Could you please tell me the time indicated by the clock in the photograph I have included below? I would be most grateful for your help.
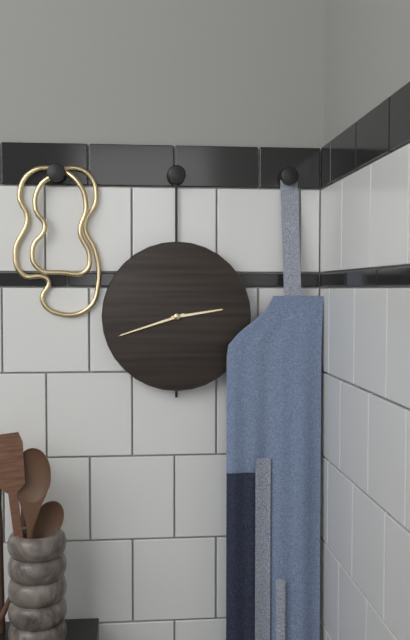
2:42
